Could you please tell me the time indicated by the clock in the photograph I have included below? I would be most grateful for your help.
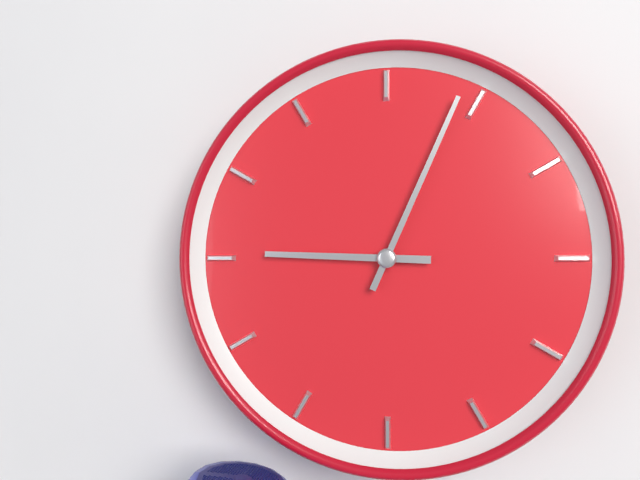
9:04
